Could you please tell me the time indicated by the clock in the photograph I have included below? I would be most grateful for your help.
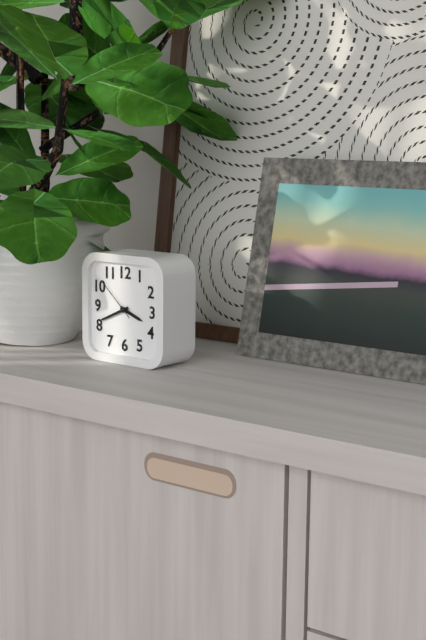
3:41
